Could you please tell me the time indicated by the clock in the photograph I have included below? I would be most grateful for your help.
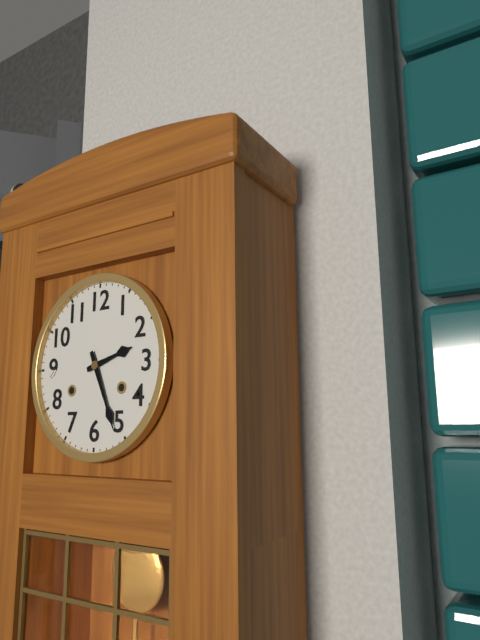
2:26
